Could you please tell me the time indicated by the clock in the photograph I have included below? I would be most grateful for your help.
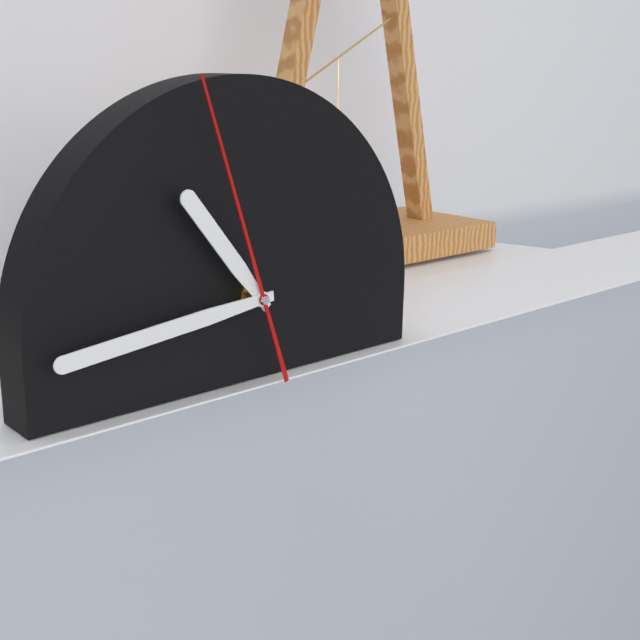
10:44:57
